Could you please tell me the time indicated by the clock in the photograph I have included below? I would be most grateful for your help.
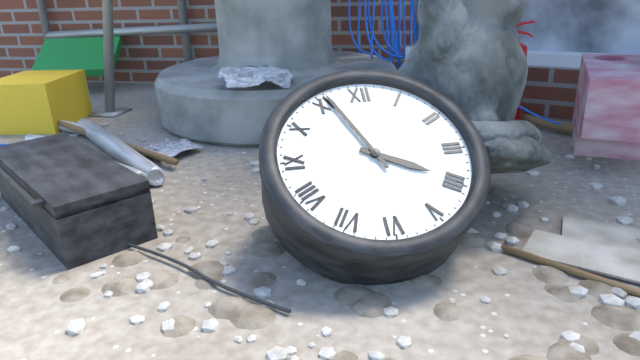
3:56
